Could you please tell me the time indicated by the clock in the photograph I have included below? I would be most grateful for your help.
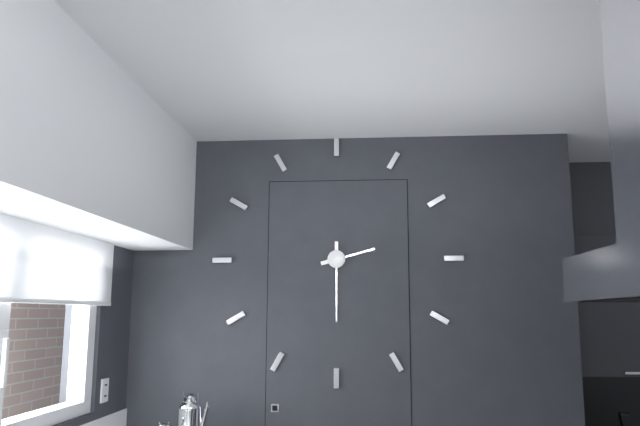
2:30
